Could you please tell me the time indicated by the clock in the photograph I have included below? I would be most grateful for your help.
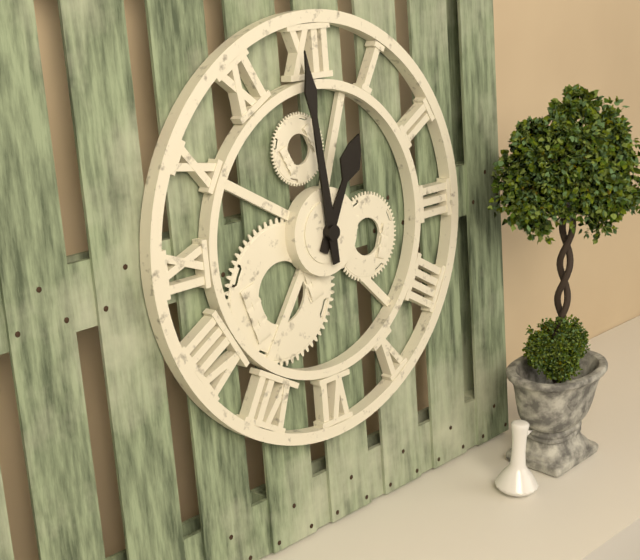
12:59
